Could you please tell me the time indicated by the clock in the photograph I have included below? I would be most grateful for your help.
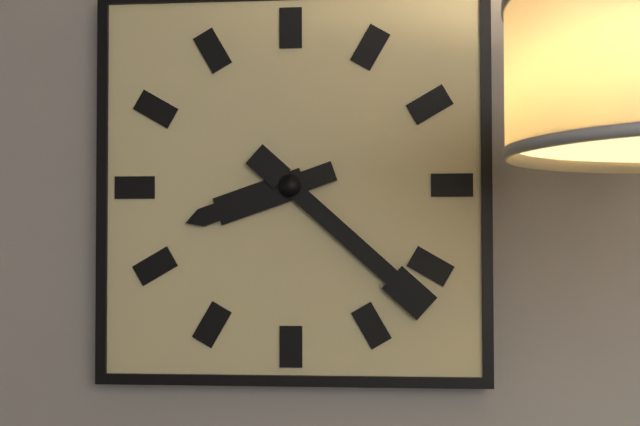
8:22
